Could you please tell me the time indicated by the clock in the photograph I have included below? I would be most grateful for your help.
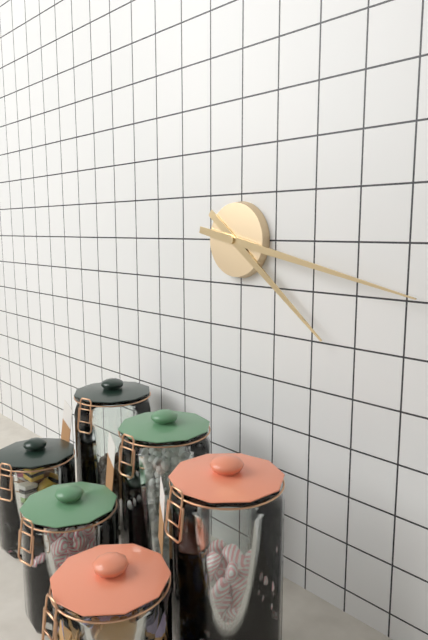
4:17
